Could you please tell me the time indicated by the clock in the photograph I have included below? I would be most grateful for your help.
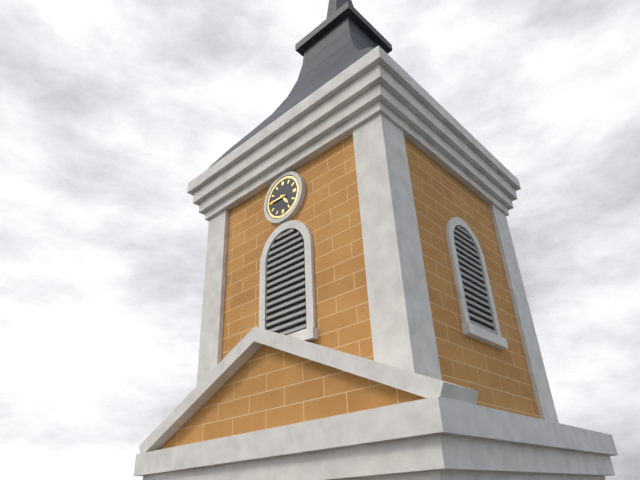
4:45
